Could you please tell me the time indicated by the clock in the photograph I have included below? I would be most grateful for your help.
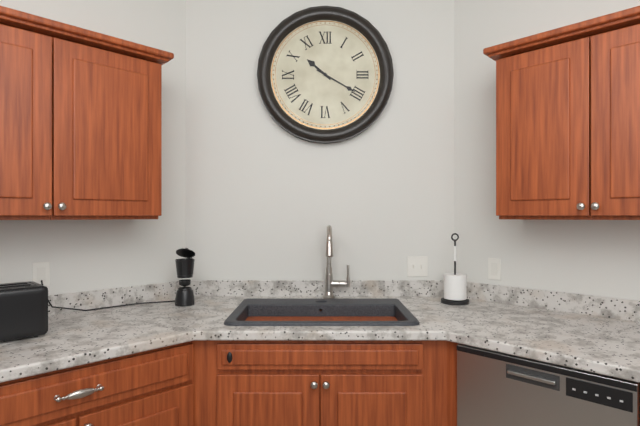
10:20
